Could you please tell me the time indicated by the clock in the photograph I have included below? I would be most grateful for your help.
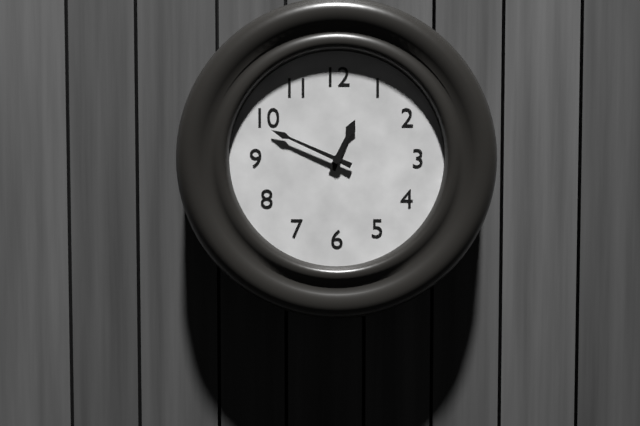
12:49
